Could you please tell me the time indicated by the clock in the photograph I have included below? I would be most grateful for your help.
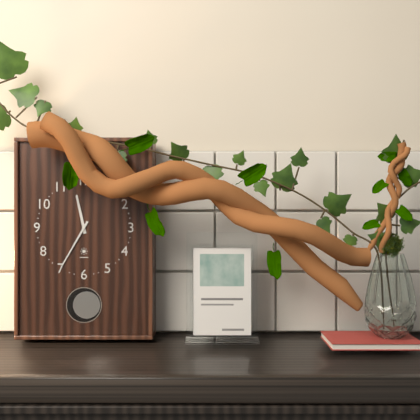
11:35
